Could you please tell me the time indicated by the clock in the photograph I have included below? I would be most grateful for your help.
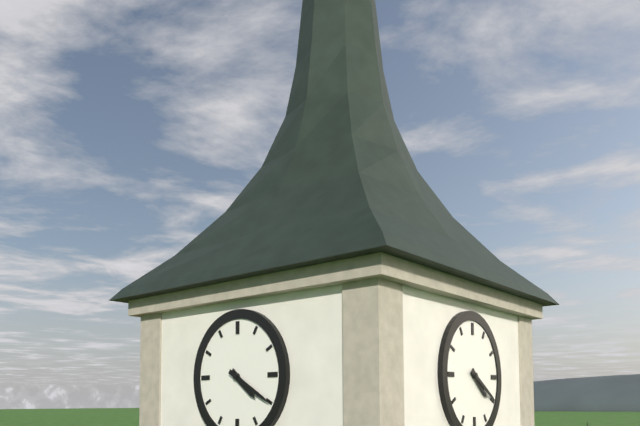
4:20
